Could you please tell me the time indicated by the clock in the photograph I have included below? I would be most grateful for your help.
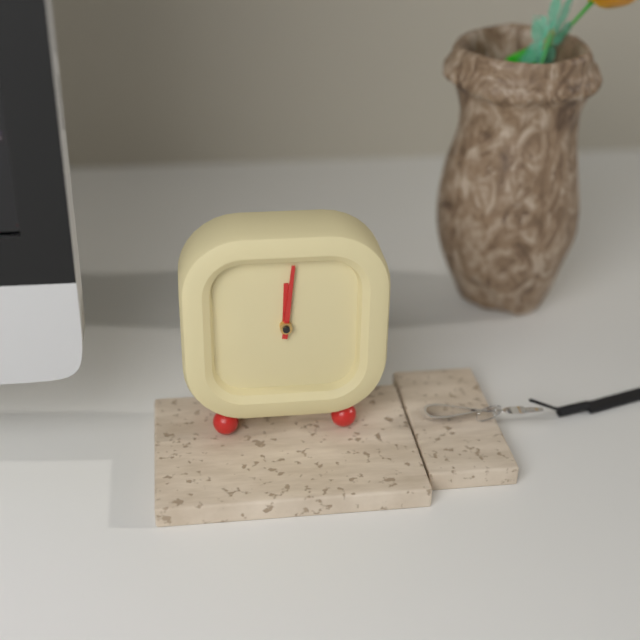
12:01
